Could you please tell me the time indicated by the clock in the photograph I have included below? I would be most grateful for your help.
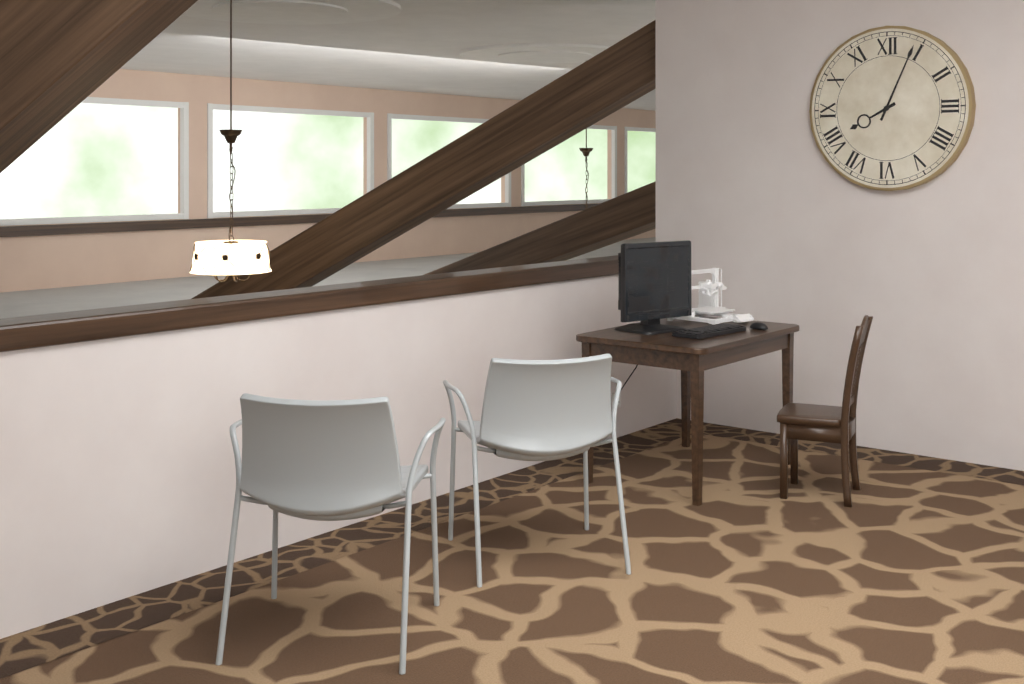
8:04
